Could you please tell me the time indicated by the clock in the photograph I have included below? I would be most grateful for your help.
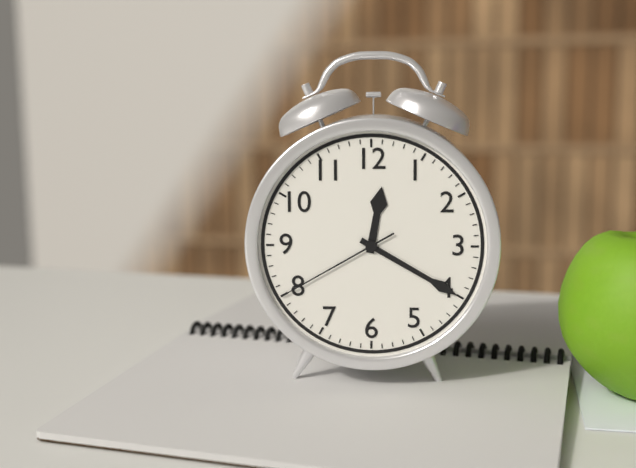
12:20:40
